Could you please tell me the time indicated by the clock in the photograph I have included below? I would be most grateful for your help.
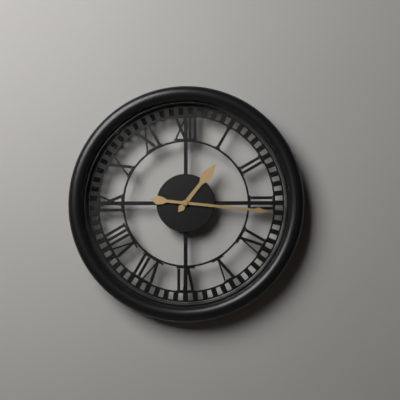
1:16
